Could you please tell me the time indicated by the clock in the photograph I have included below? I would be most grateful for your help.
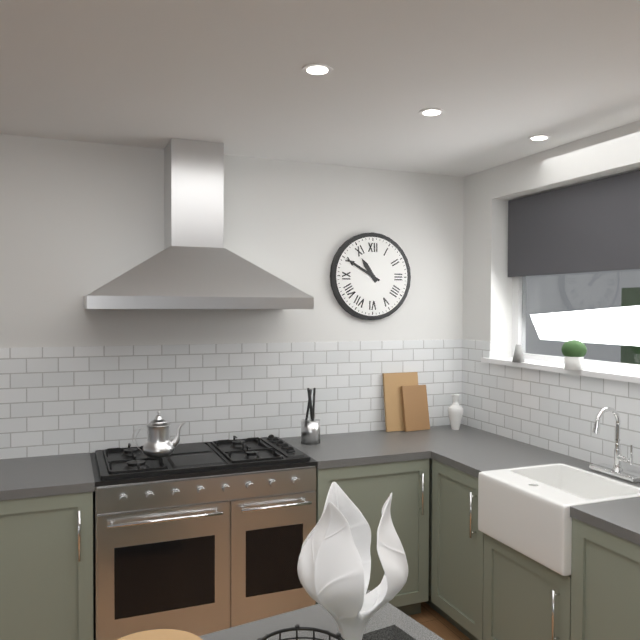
10:50
